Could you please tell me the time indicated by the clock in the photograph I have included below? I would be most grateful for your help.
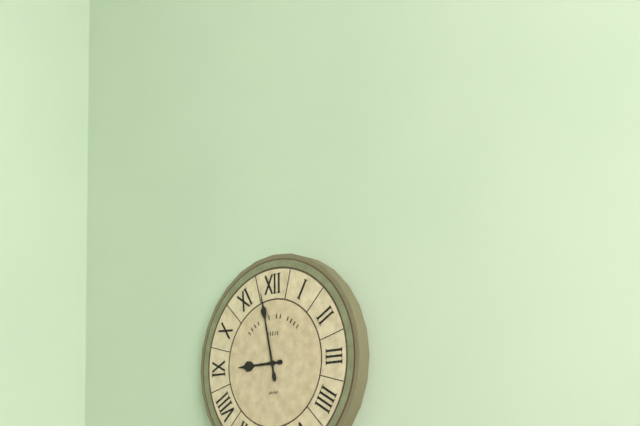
8:58
